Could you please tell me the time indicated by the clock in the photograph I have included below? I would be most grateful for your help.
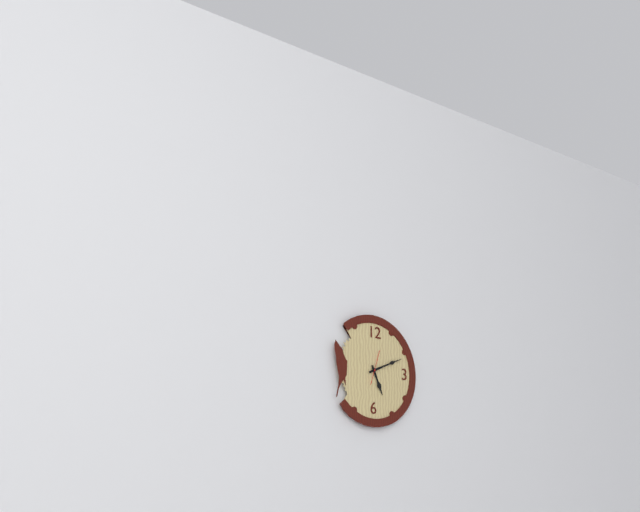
5:11
